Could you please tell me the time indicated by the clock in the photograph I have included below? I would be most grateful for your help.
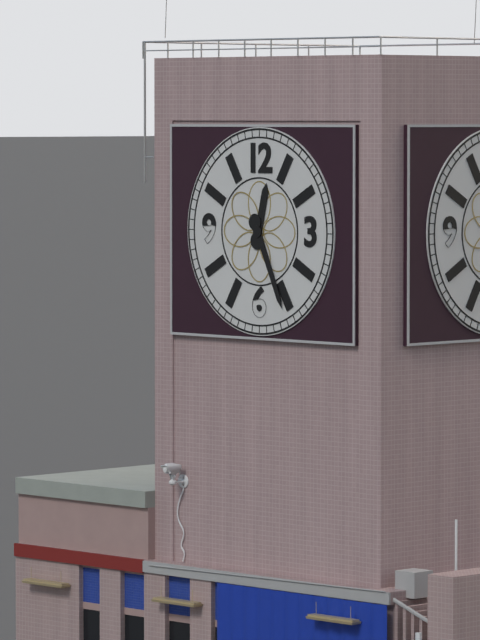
12:26
